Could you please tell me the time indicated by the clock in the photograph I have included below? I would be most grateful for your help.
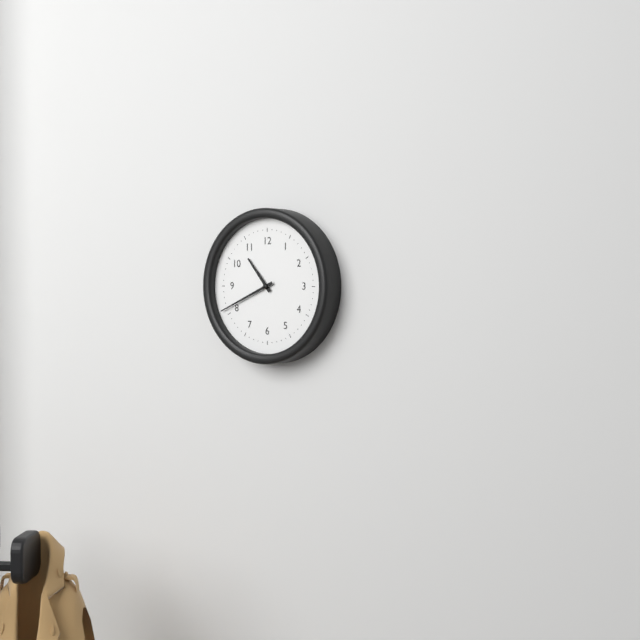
10:41
